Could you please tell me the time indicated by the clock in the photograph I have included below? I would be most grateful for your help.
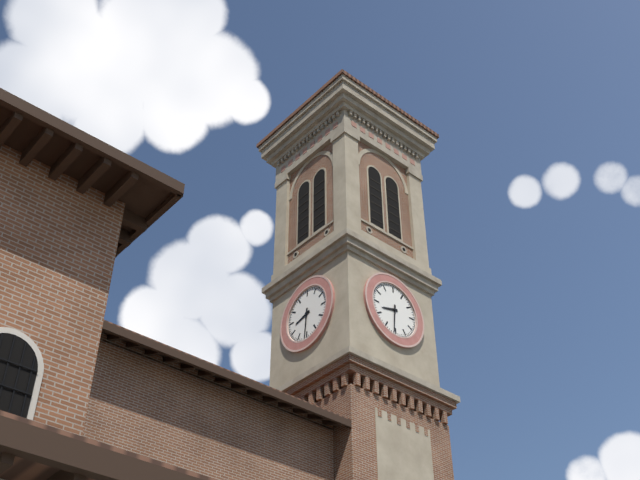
8:31
